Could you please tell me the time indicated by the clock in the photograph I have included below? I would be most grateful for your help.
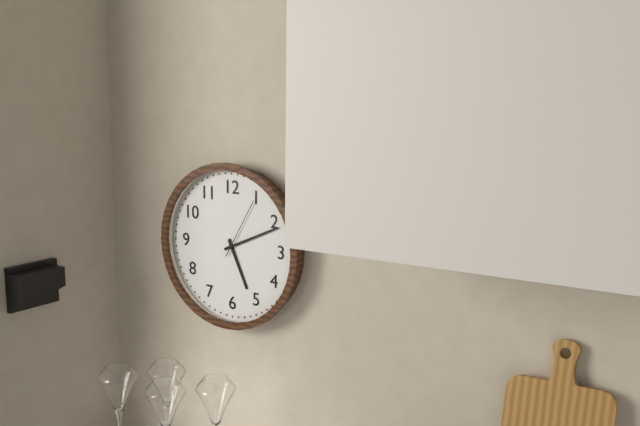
5:11:05
